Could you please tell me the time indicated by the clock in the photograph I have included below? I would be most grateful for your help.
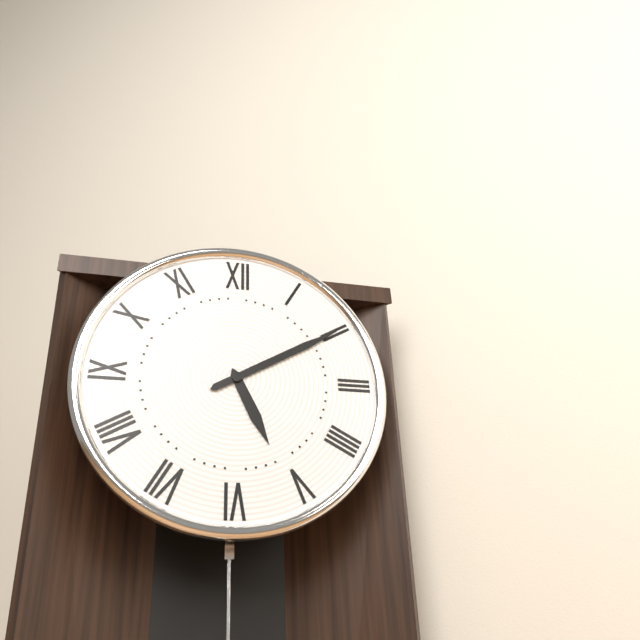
5:10
